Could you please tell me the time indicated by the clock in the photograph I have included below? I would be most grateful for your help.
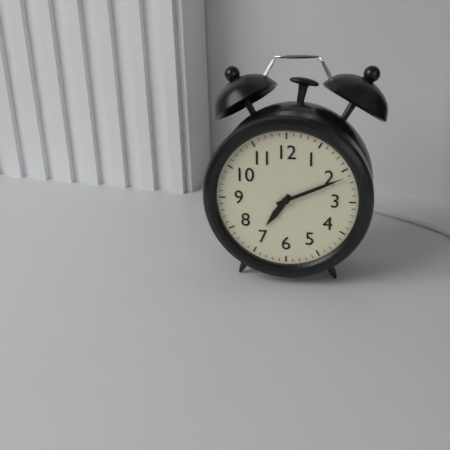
7:11
